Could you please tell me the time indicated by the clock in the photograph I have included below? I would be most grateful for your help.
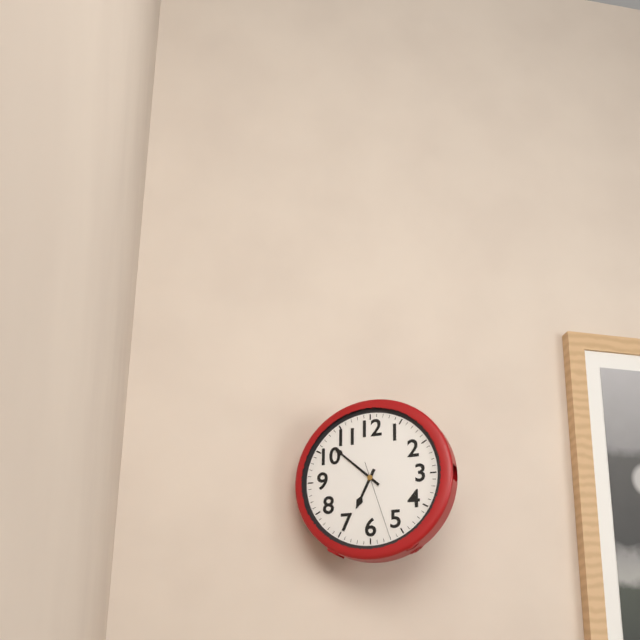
6:52:27
